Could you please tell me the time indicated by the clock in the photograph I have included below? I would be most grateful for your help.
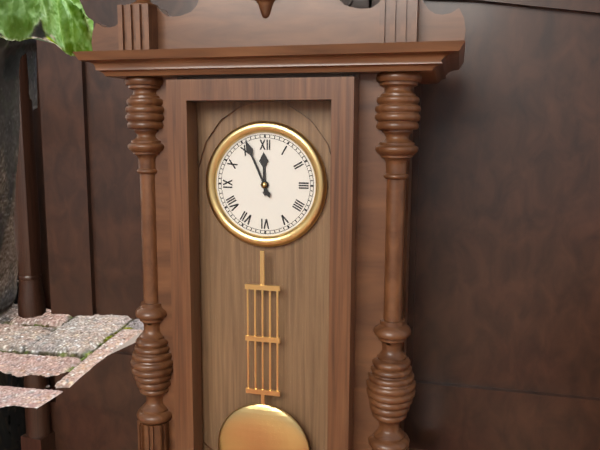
11:56
